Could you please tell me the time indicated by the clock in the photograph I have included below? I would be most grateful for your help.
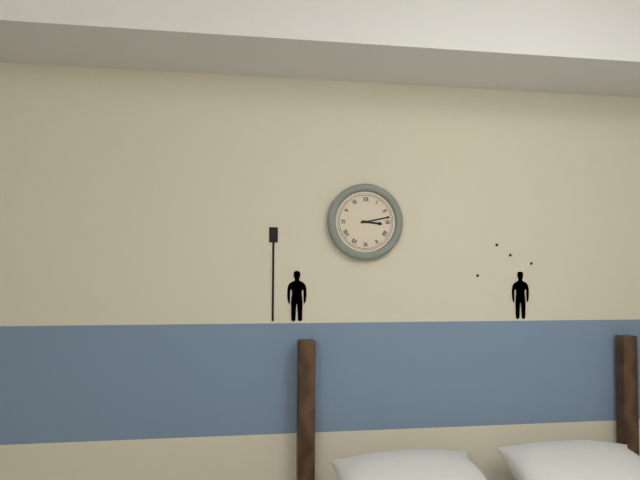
3:13
